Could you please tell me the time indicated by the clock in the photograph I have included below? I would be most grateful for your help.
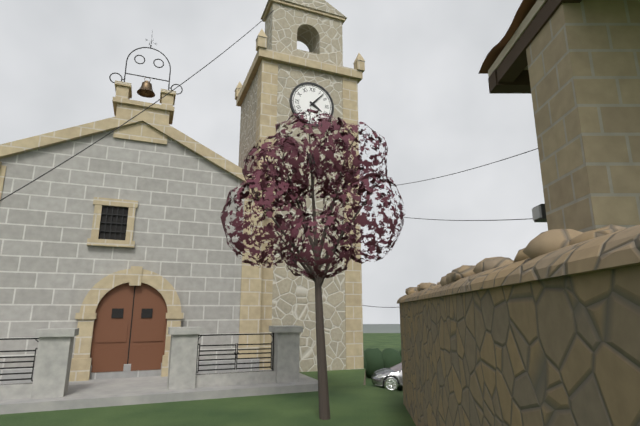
4:07
